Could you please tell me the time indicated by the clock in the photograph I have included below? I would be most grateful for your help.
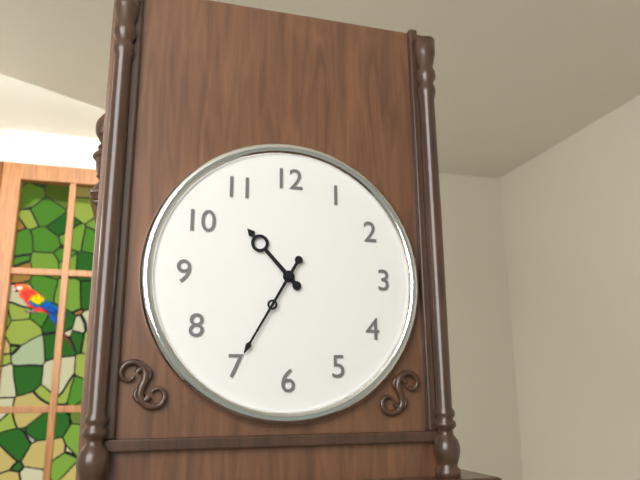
10:35
